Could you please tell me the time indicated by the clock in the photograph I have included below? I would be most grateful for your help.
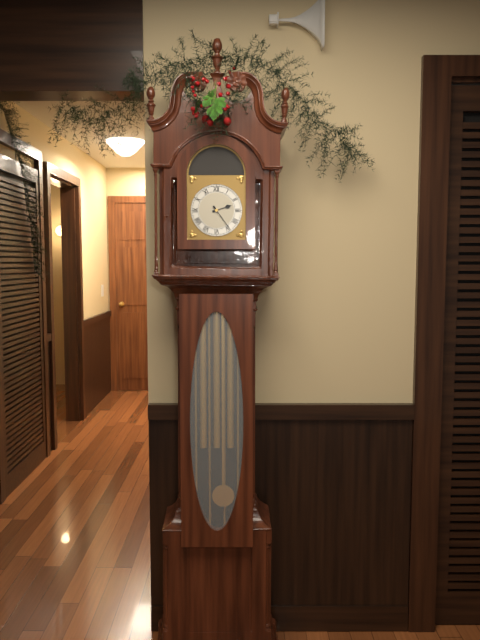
2:24
